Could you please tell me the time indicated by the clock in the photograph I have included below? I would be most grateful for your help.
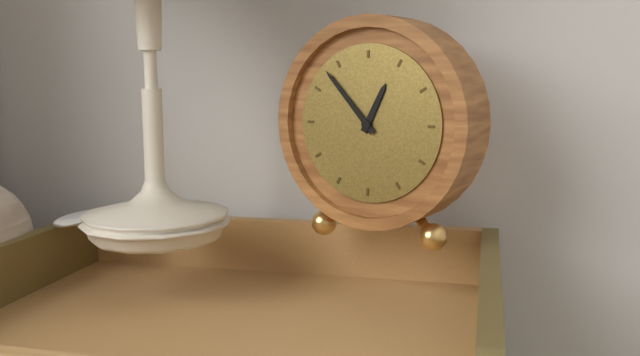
12:53
